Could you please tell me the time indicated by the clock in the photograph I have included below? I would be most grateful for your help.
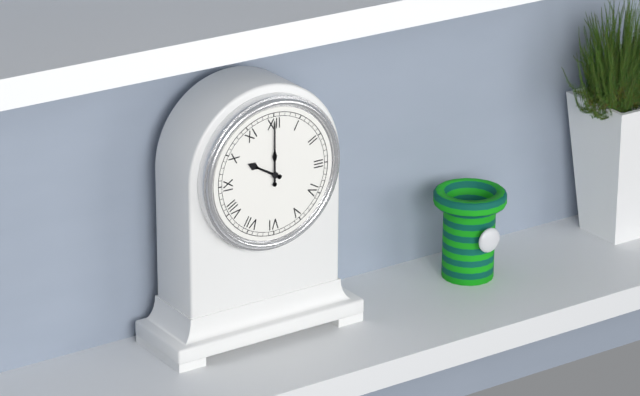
10:00
